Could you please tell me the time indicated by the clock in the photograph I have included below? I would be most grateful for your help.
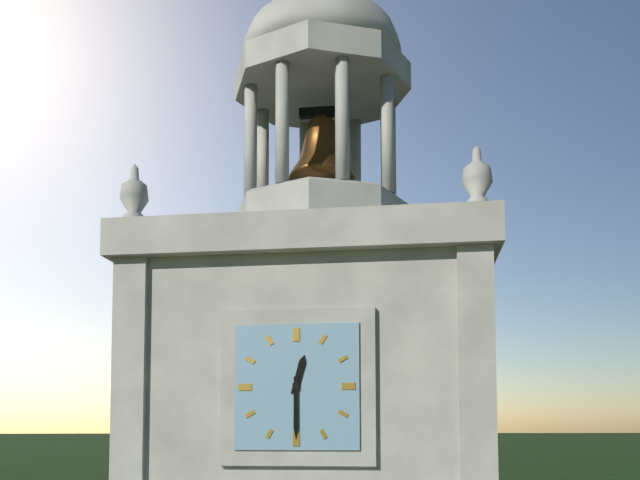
12:30
